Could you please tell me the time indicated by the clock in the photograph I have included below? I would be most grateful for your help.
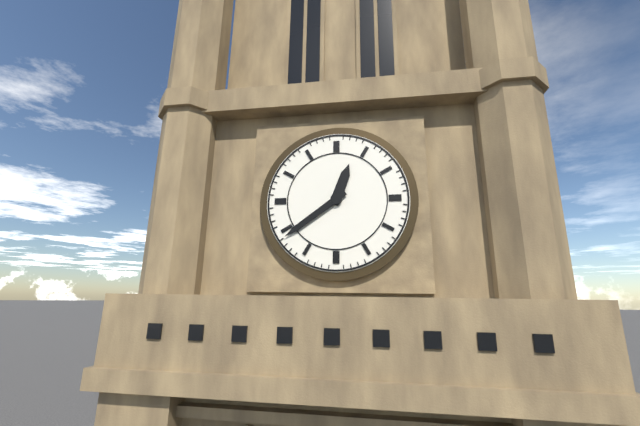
12:39
